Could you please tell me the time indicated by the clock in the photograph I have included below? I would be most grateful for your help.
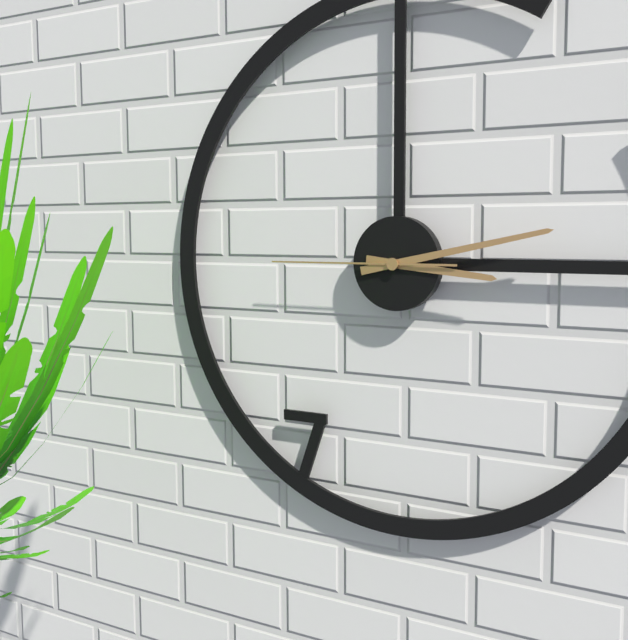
3:13:45
